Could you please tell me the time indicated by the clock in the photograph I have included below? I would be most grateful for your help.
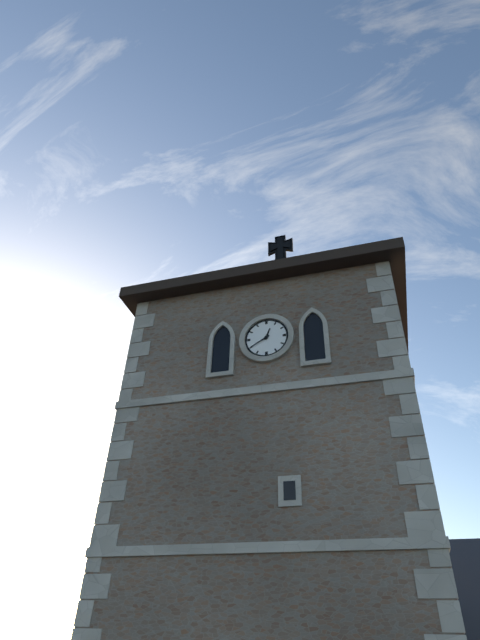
12:40
